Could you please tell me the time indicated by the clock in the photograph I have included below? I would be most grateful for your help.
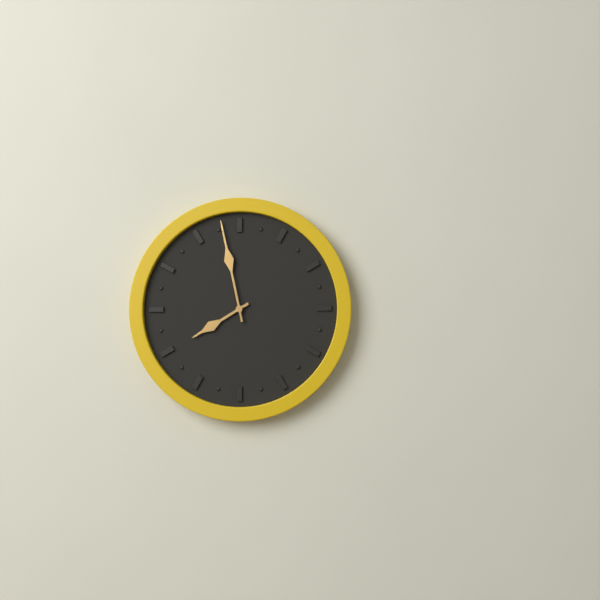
7:58
